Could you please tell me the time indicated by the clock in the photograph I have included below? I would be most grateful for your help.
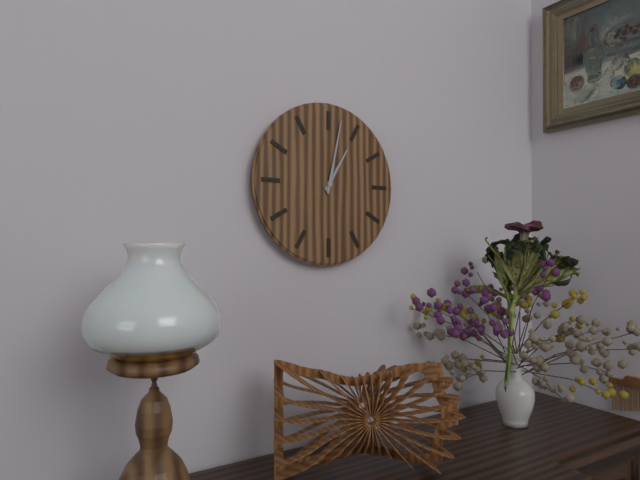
1:02
